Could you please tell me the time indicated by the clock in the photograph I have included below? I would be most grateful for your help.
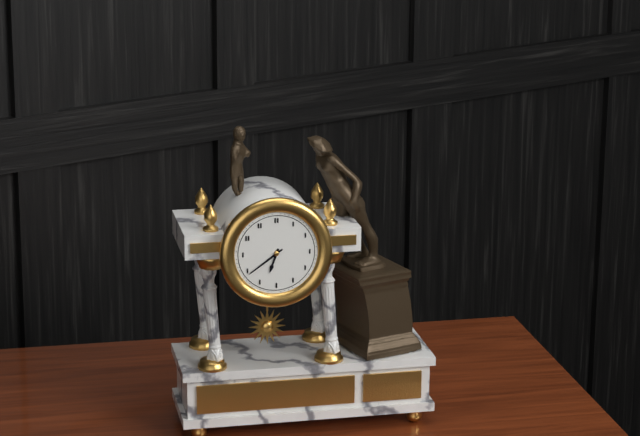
6:39
